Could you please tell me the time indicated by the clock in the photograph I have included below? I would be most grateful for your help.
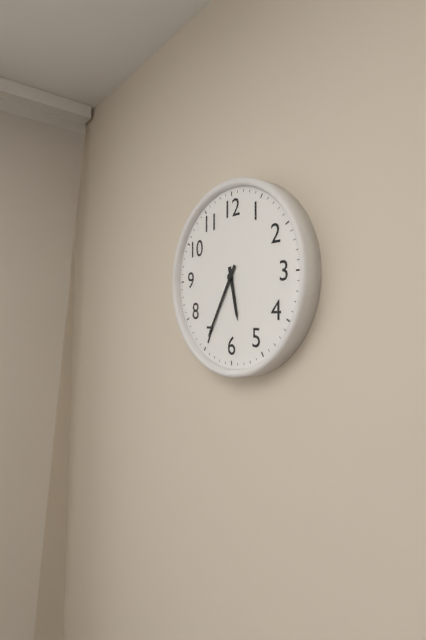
5:35
